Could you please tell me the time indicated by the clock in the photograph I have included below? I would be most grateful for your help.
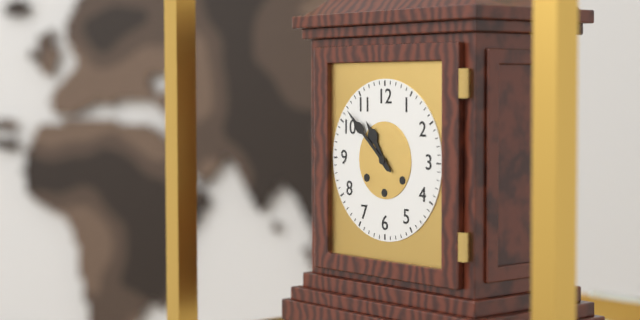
10:52
